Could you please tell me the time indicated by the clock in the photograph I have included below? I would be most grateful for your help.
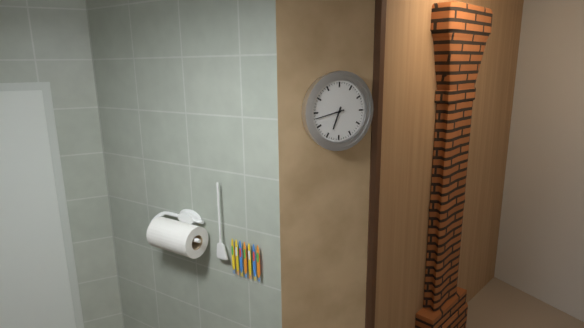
6:43
